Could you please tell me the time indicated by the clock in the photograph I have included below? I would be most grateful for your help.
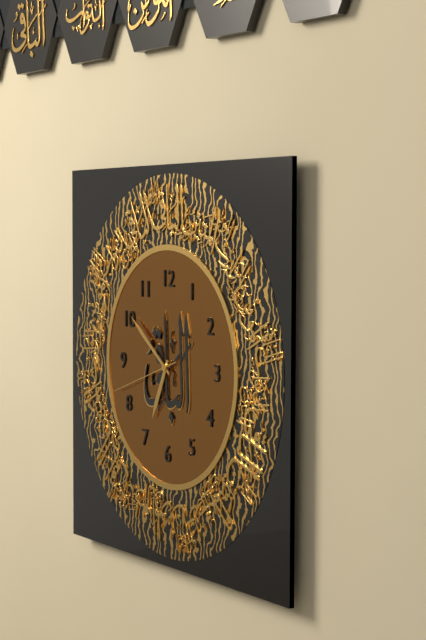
6:51:42
